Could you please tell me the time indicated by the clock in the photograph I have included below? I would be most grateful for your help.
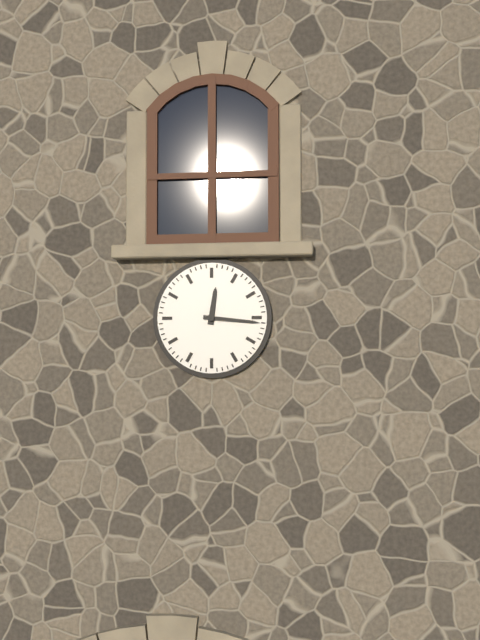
12:16
